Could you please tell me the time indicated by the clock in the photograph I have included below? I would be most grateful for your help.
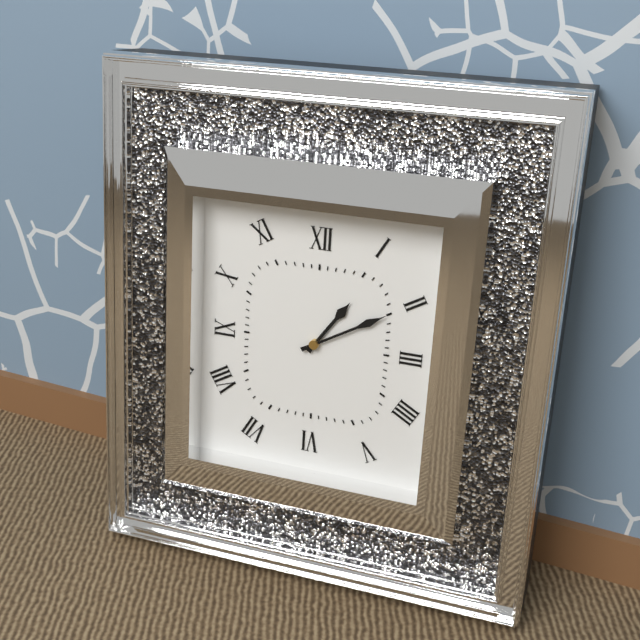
1:10
